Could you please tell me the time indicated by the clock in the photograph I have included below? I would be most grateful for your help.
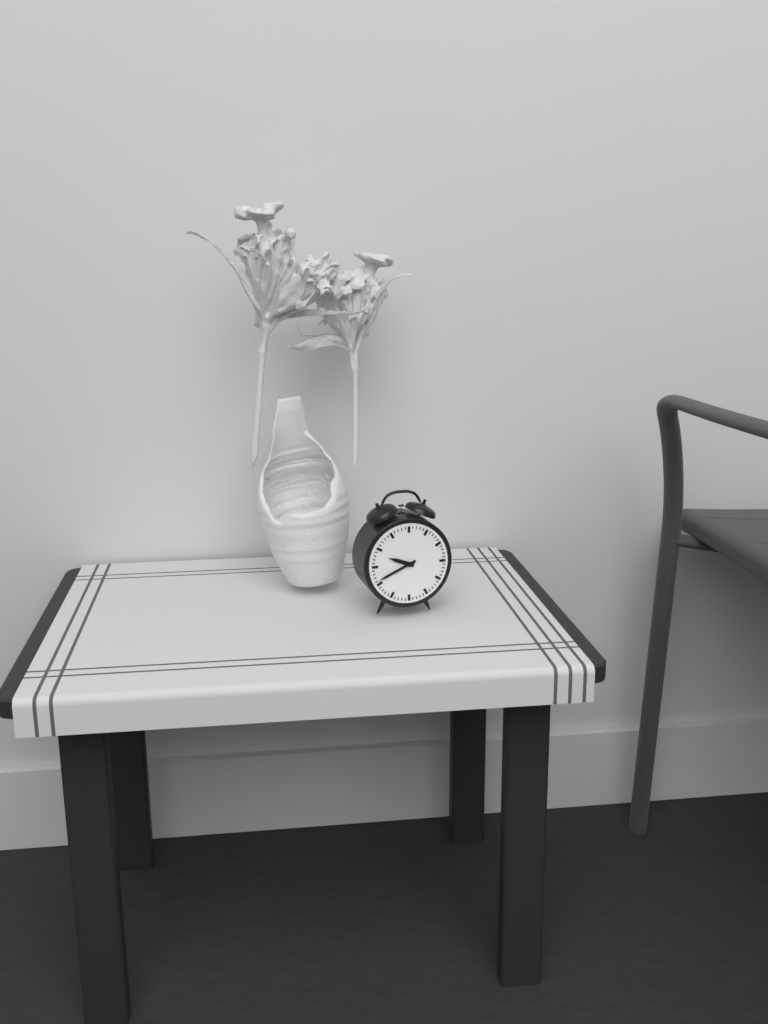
9:41
